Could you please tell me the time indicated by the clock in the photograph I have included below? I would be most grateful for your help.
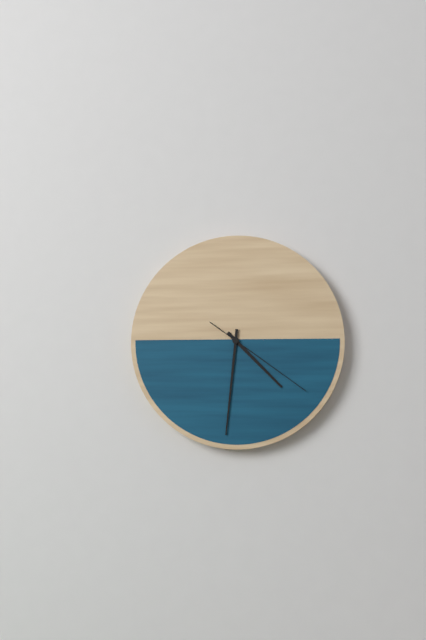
4:31:21
